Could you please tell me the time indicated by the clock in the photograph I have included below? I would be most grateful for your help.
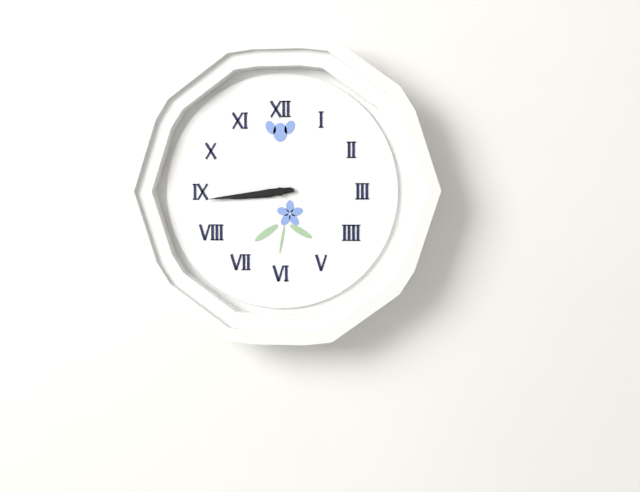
8:44
